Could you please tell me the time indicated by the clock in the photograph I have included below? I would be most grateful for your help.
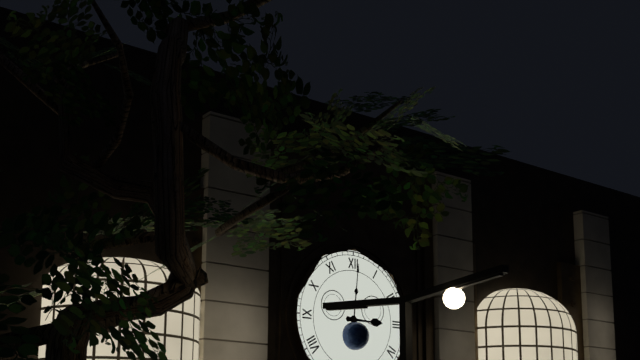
3:01
